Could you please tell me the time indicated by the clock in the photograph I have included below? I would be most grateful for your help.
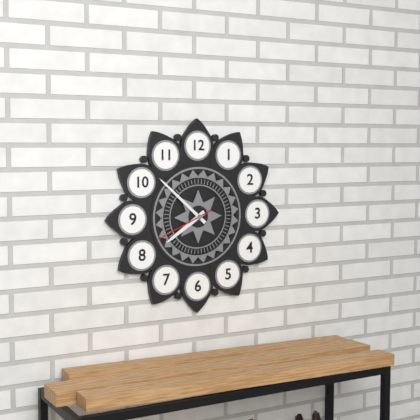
7:52:41
